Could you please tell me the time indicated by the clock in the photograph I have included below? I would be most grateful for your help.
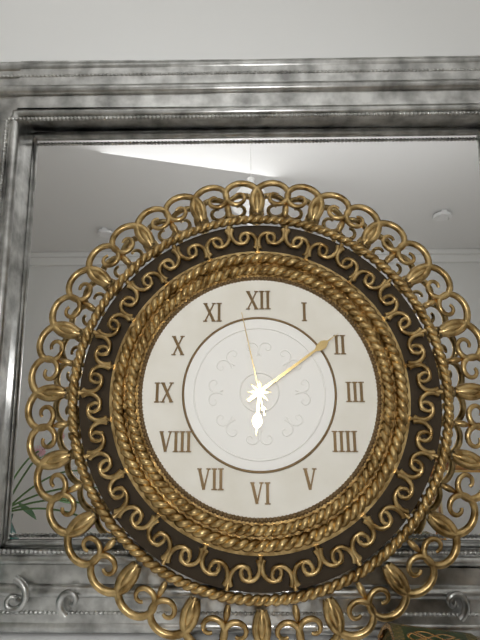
6:09:58
